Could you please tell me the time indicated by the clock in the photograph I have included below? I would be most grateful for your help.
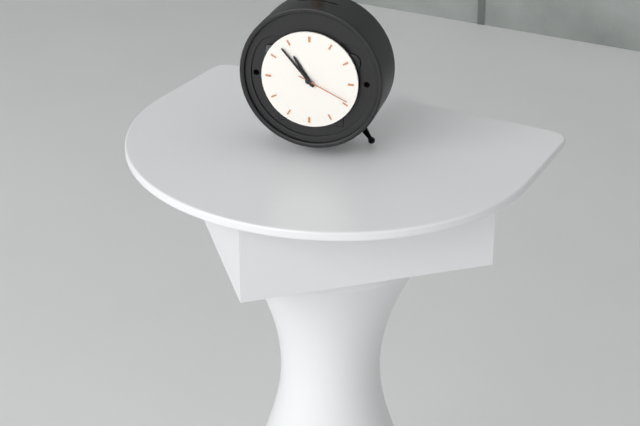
10:53:19
